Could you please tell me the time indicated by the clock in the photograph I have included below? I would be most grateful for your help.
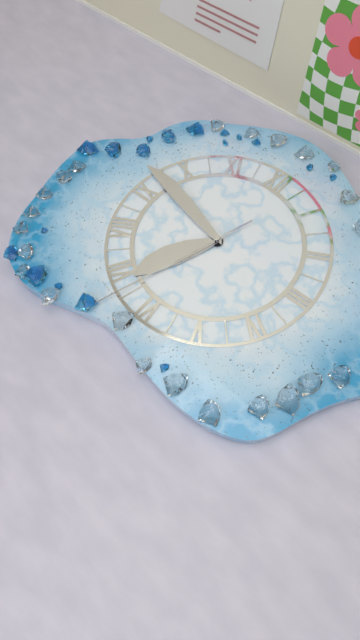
6:47:33
